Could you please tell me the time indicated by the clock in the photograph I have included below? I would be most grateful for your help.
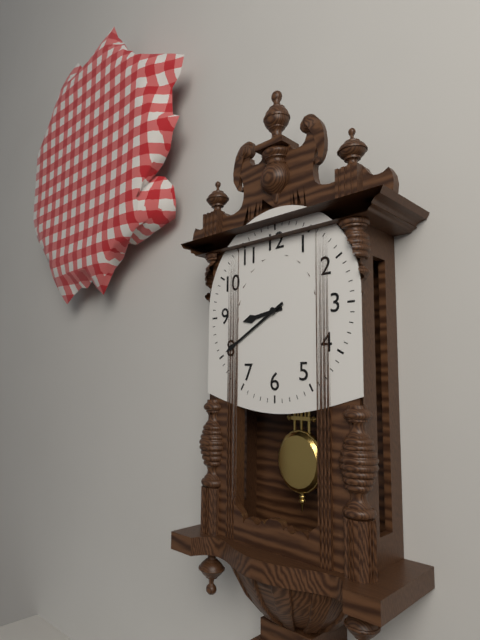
8:40
